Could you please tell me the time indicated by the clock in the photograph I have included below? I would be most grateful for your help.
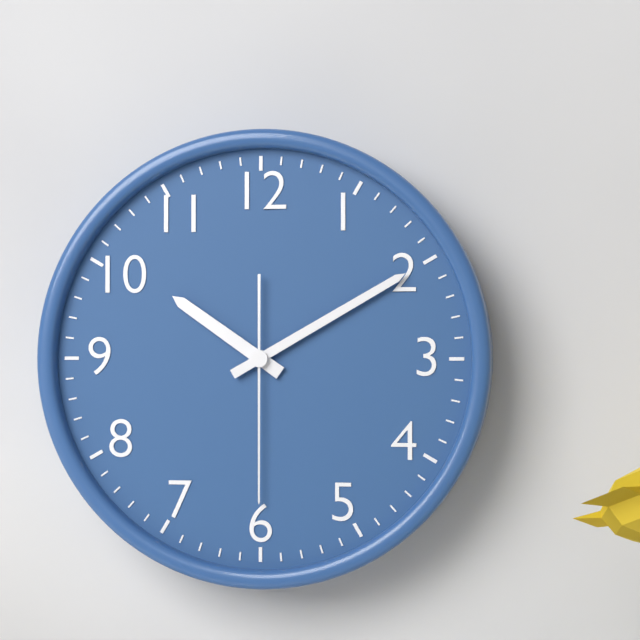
10:10:30
